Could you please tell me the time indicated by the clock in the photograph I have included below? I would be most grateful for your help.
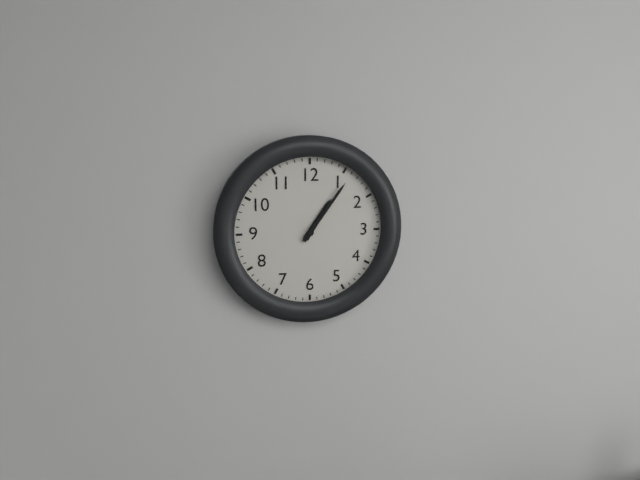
1:06
